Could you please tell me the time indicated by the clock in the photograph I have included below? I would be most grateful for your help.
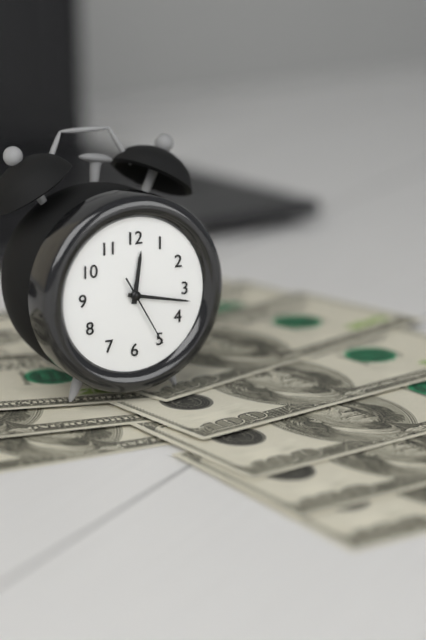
12:17:25
